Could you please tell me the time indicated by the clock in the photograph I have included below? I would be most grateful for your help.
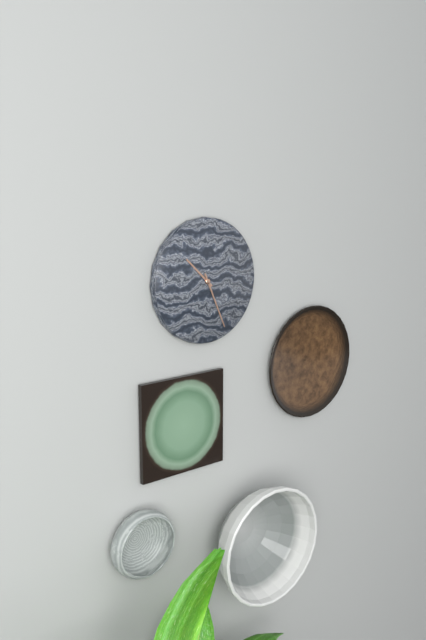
10:26
